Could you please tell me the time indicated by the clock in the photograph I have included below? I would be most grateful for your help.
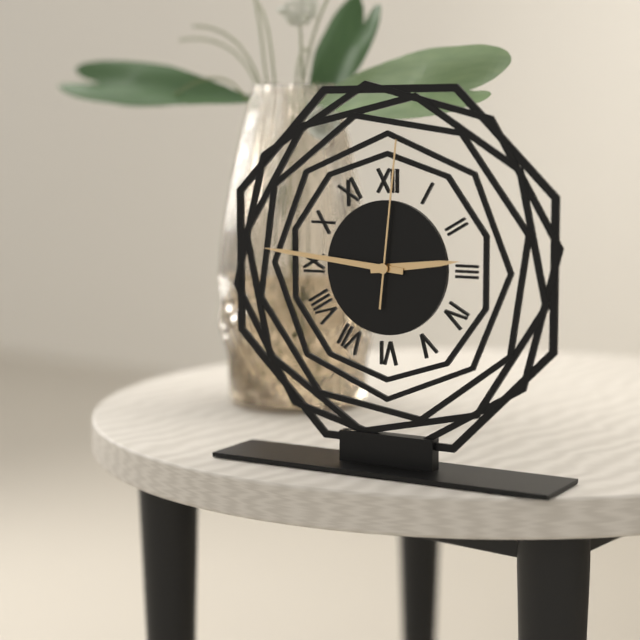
2:46:01
